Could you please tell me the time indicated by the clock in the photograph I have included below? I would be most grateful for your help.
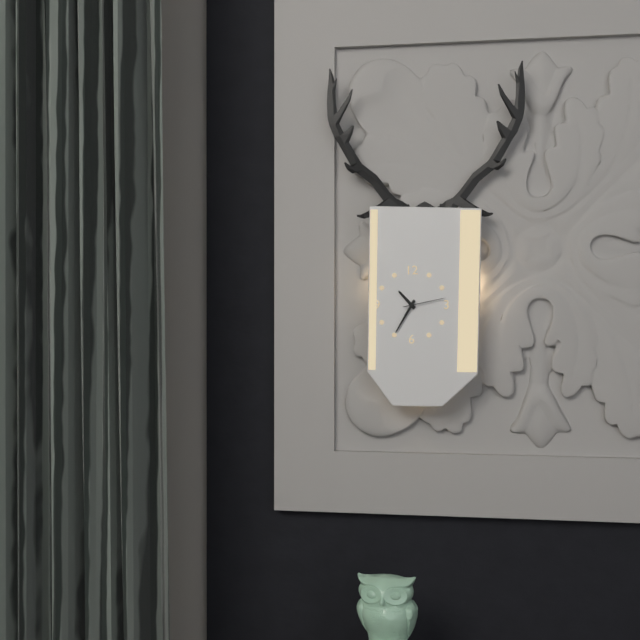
10:35
